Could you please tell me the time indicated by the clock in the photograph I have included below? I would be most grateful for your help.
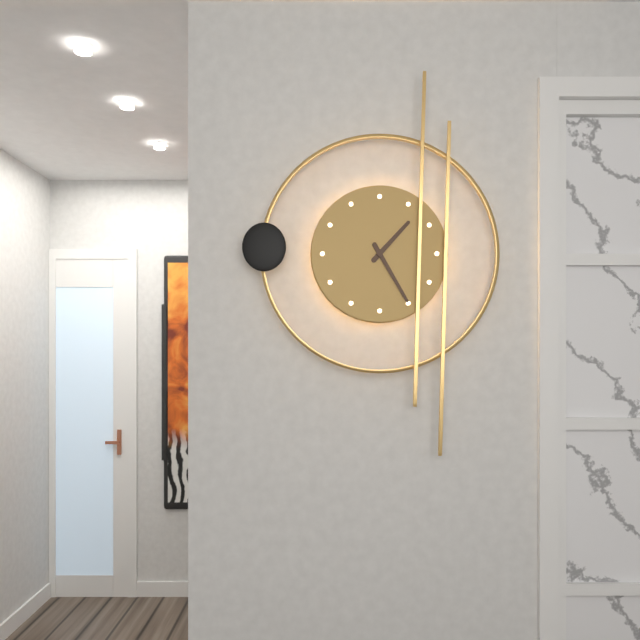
1:25
